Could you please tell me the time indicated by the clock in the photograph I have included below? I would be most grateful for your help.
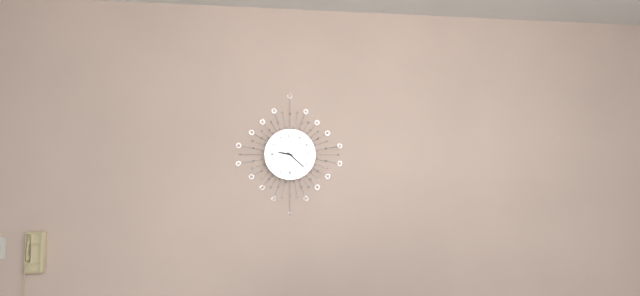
9:22
